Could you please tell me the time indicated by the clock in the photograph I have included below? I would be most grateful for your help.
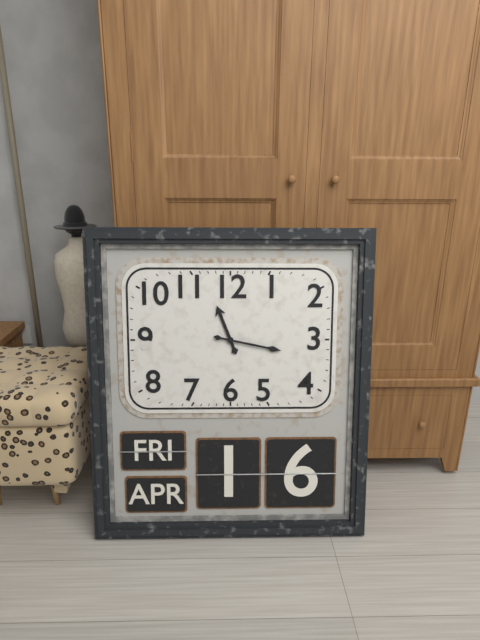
11:17
